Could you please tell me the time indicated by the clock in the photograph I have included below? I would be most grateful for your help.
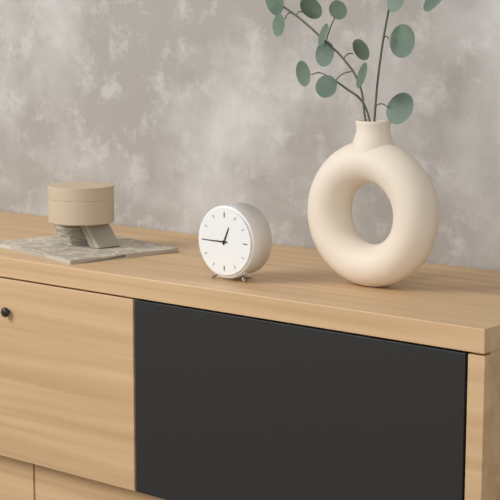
12:45
